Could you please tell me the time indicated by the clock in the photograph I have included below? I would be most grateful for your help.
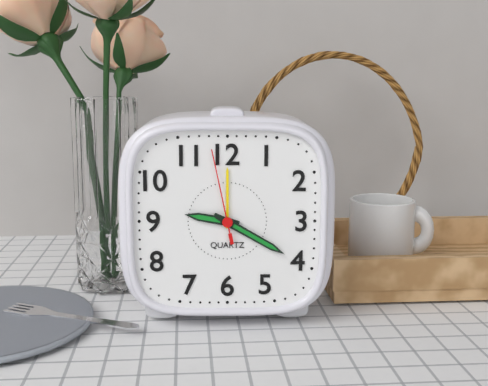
9:20:58
